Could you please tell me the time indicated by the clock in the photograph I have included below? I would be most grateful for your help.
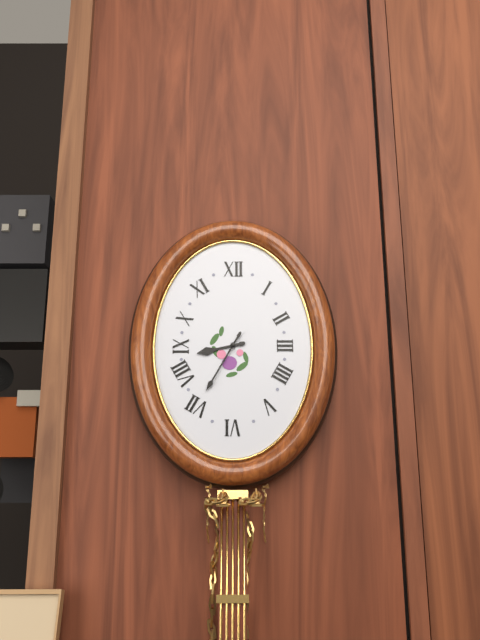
8:35
